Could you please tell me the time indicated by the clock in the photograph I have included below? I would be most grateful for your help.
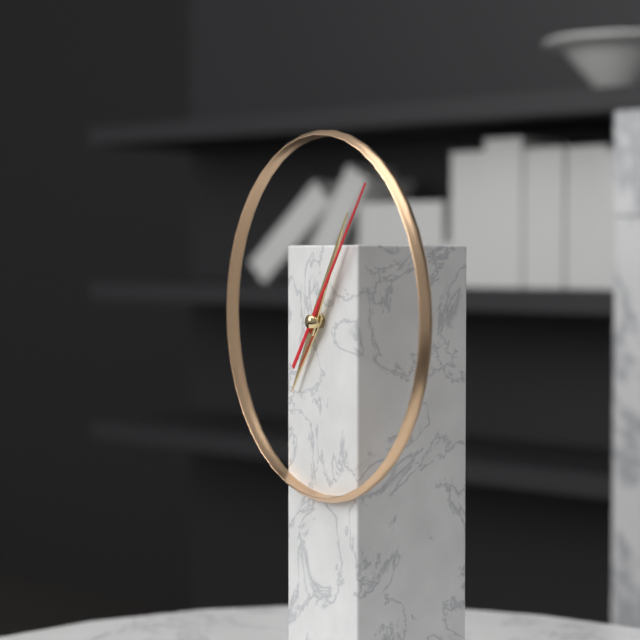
7:05:06
